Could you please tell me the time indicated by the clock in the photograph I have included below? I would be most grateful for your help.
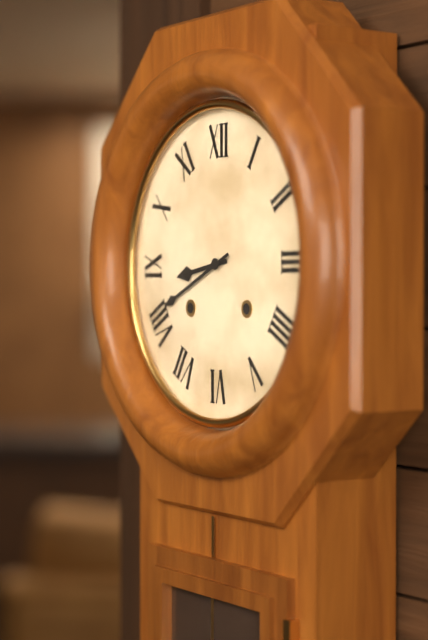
8:41
